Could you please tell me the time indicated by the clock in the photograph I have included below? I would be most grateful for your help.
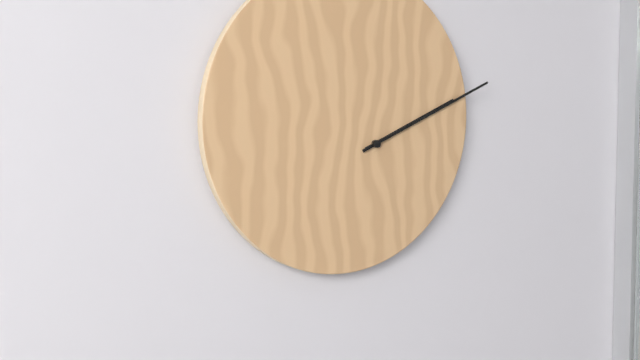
2:11
